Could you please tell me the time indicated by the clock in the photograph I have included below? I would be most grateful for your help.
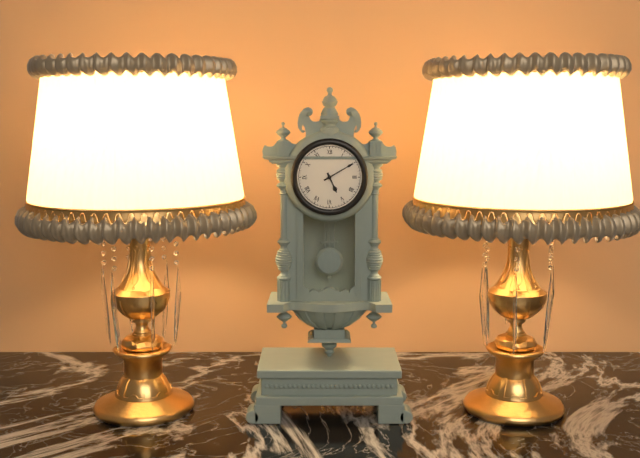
5:10
